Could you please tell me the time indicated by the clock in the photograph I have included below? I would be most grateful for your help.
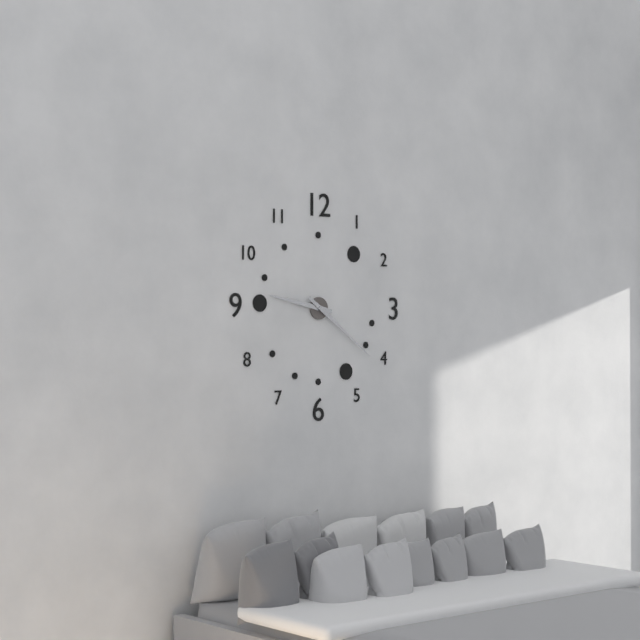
9:21
